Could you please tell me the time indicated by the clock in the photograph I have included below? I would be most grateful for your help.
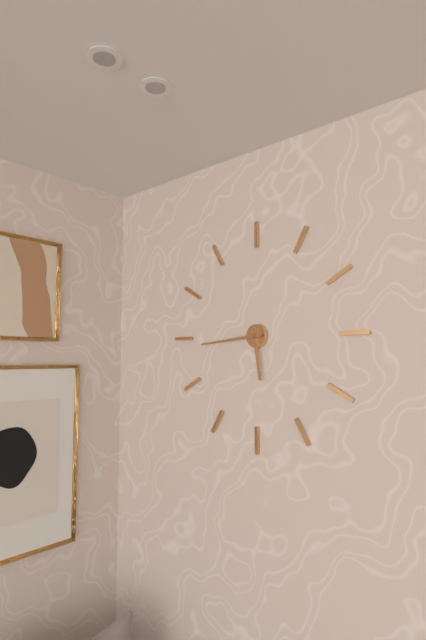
5:44
